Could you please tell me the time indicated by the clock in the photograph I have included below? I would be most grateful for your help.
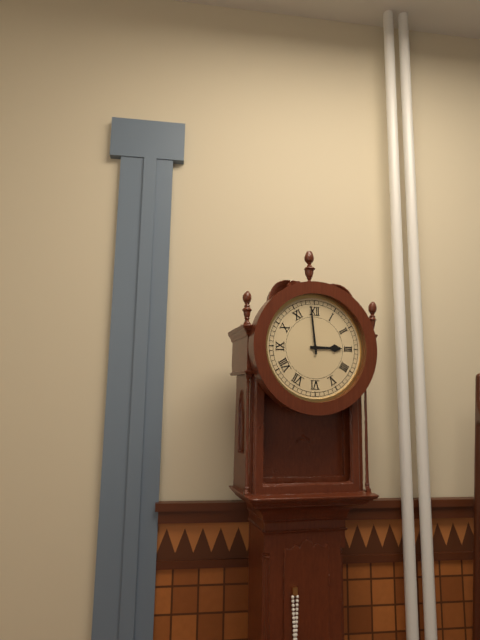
2:59
